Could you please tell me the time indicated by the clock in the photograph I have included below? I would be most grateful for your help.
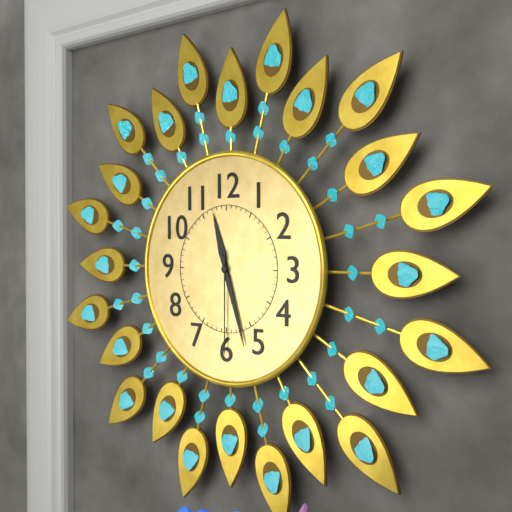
11:27:30
